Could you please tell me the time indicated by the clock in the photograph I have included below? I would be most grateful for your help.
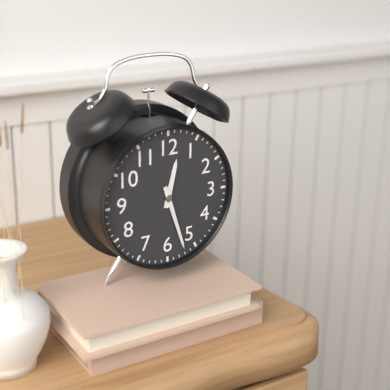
12:27
